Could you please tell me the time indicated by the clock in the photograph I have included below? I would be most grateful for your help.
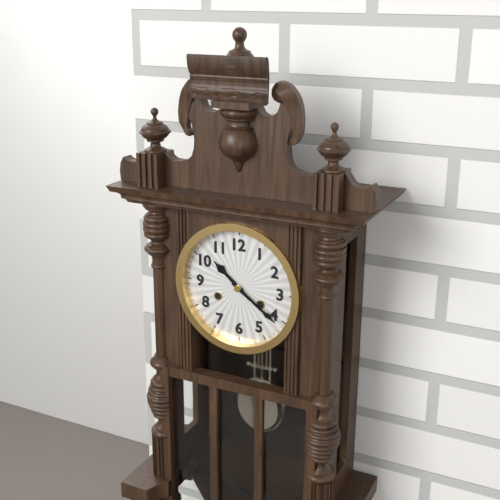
10:21
